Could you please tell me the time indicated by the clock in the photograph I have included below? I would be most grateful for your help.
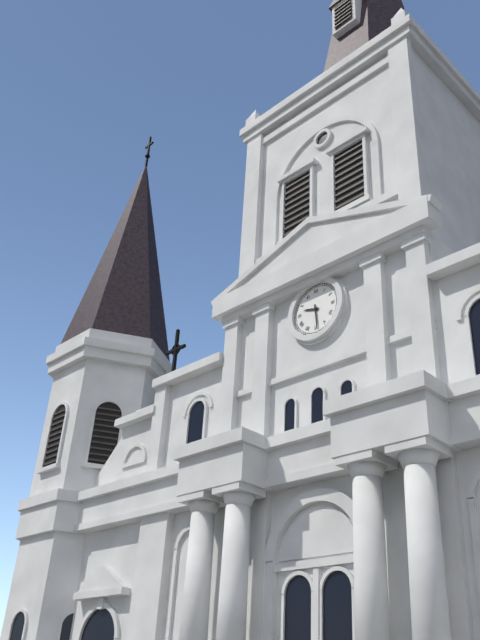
9:29
